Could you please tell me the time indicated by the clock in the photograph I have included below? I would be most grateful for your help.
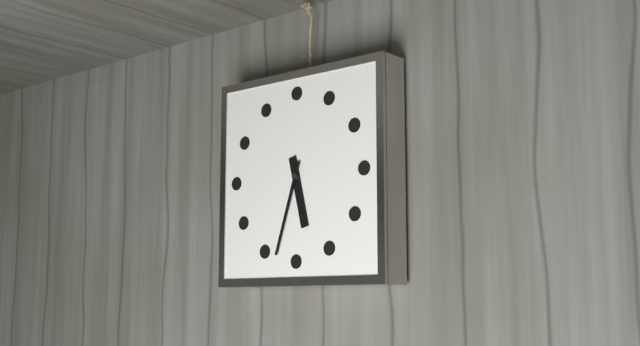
5:33
